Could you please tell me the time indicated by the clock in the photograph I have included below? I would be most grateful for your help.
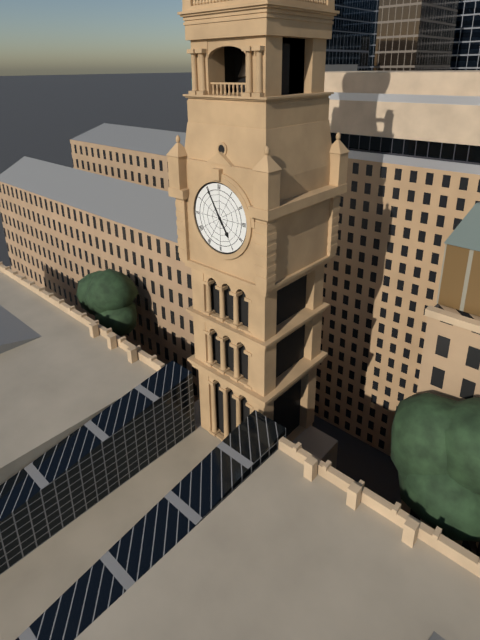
4:55
